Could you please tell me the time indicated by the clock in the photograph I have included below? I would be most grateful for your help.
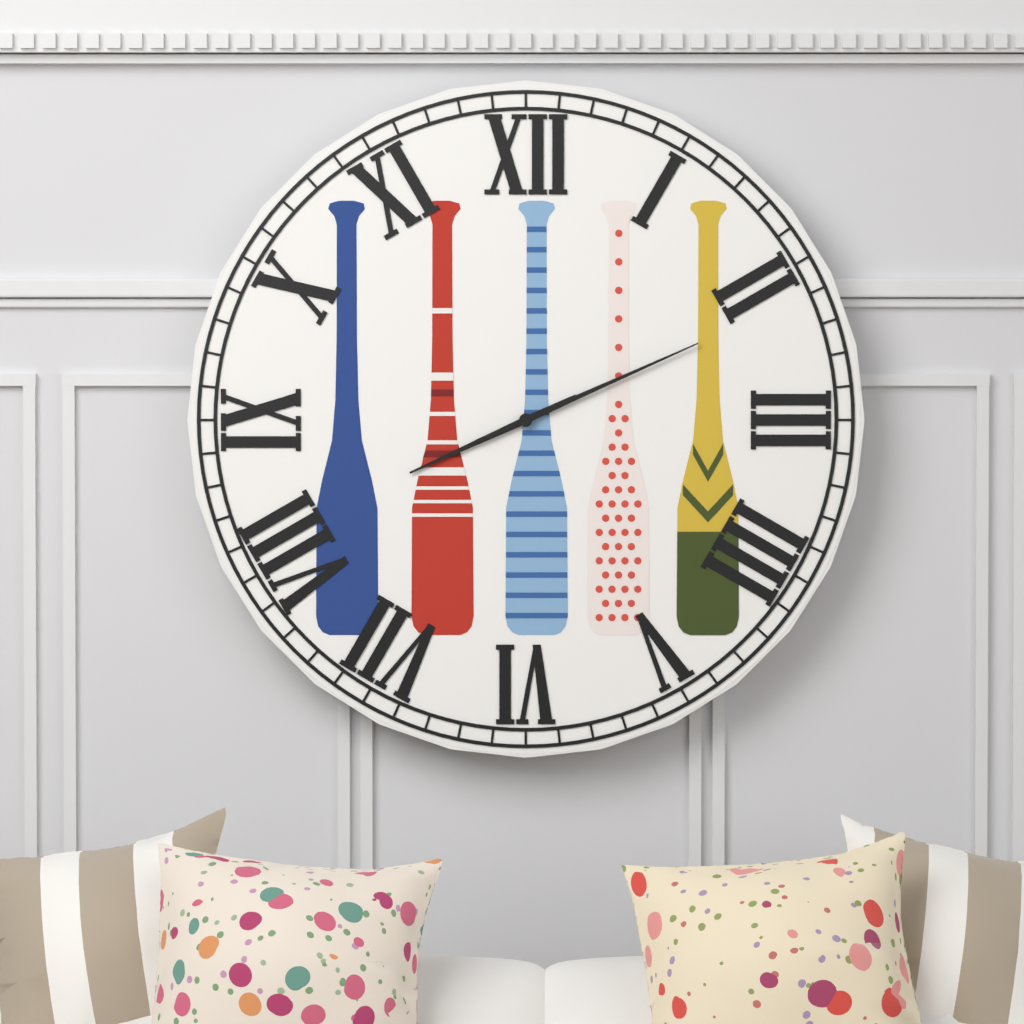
8:11
